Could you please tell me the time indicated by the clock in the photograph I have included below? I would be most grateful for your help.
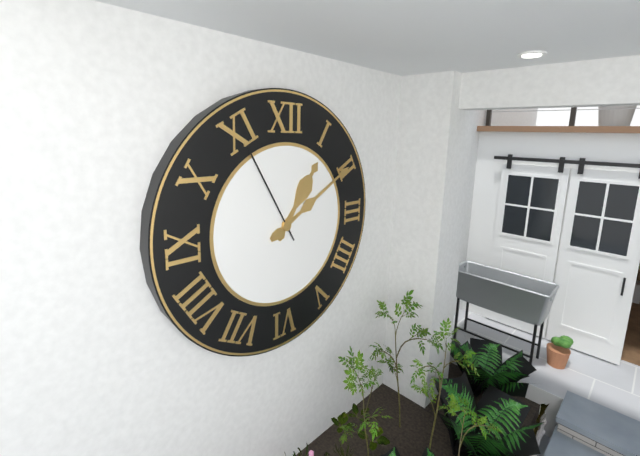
1:10:55
